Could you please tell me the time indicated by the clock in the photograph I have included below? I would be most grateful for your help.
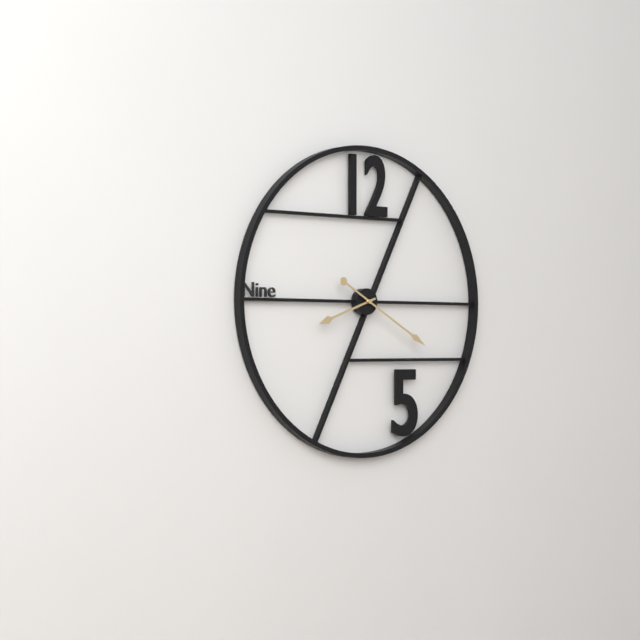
8:20
